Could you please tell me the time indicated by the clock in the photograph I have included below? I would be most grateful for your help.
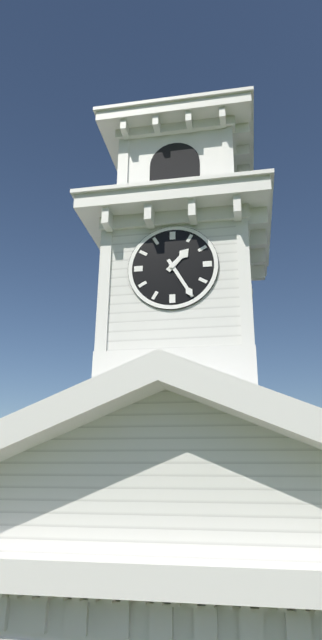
1:25
